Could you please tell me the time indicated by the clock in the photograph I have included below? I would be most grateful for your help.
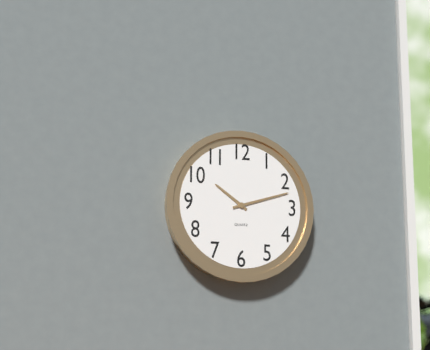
10:12
